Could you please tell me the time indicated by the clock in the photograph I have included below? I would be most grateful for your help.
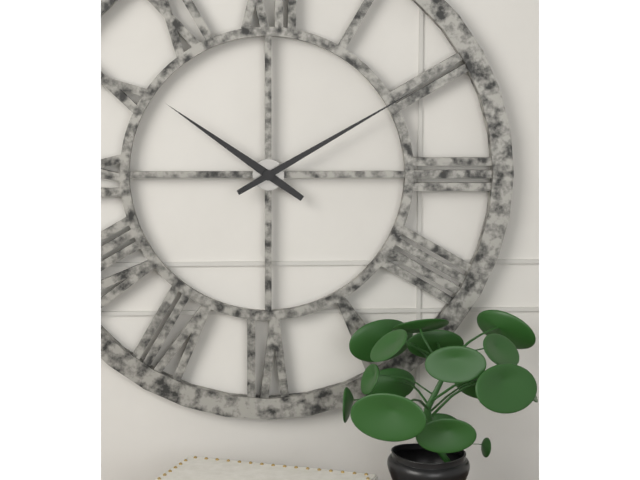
10:10
